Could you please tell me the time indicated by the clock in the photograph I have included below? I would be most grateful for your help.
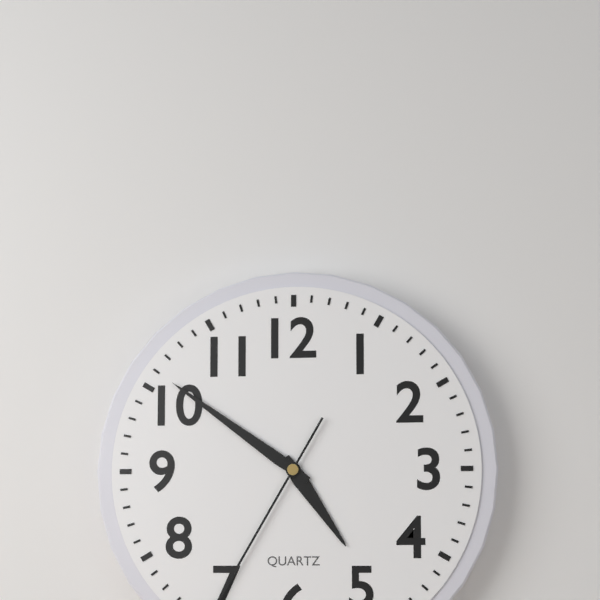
4:51
